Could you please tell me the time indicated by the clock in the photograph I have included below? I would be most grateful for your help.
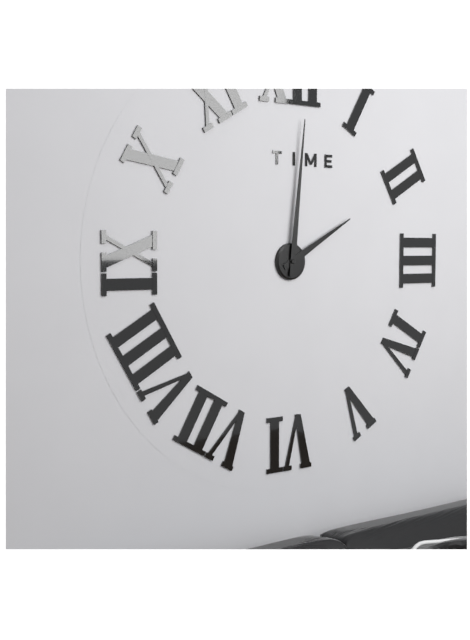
2:01
